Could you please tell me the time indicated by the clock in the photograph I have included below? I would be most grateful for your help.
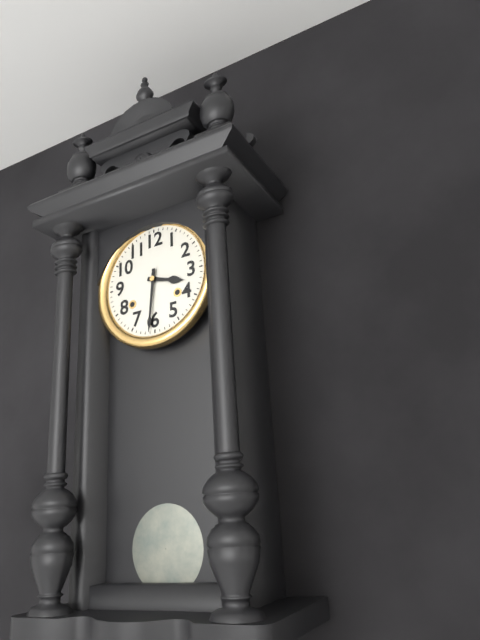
3:31
